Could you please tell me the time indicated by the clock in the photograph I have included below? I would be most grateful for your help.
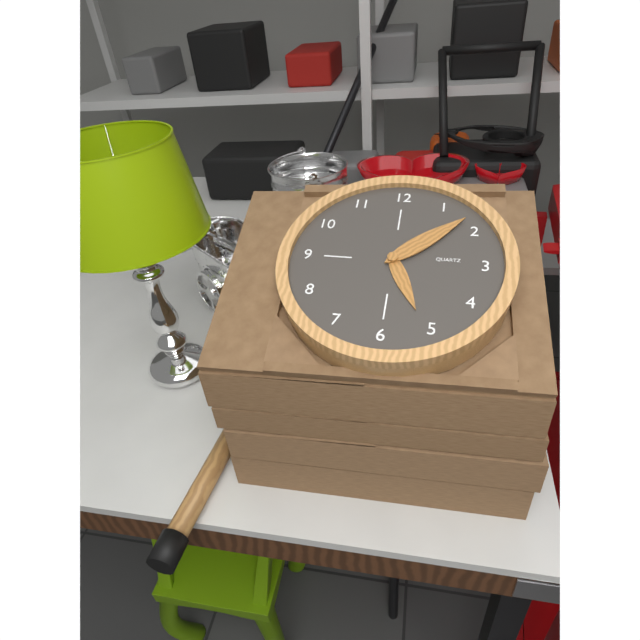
5:08
